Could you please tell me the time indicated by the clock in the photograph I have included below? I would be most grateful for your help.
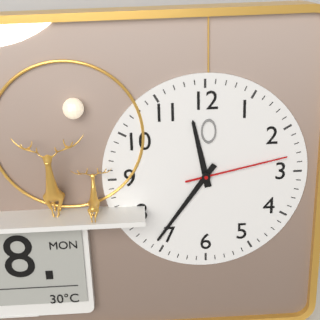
11:36:13
